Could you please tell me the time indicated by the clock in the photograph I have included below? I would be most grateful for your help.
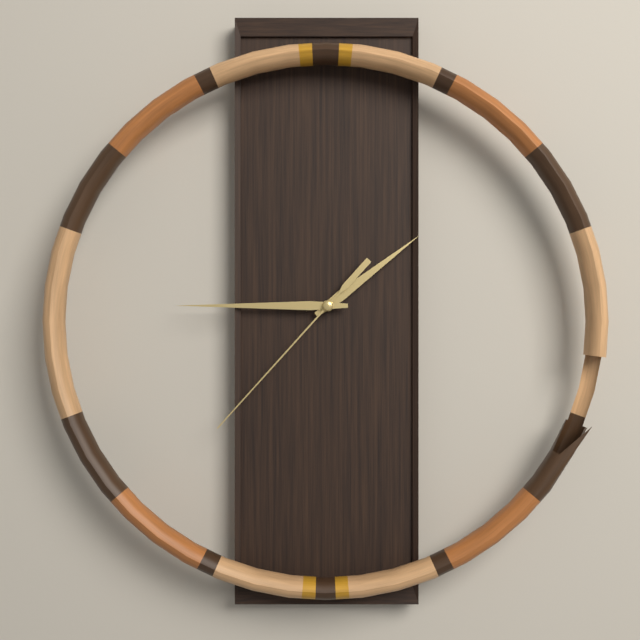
1:45:37
